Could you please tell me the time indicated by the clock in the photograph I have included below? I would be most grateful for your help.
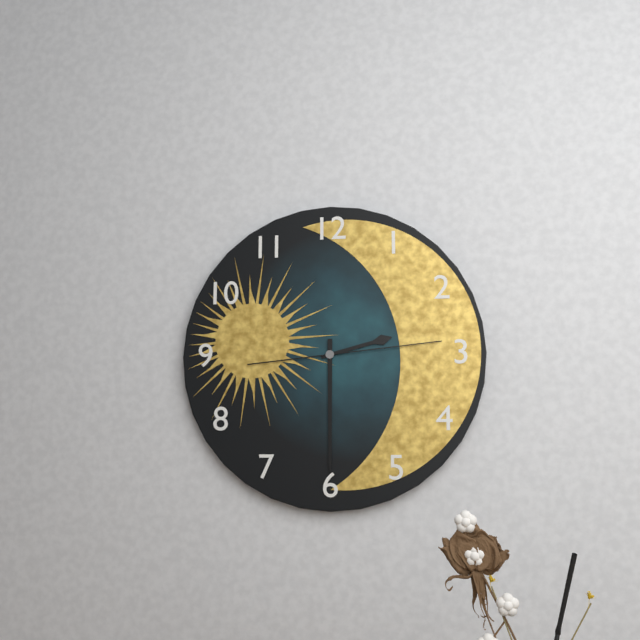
2:30:14
